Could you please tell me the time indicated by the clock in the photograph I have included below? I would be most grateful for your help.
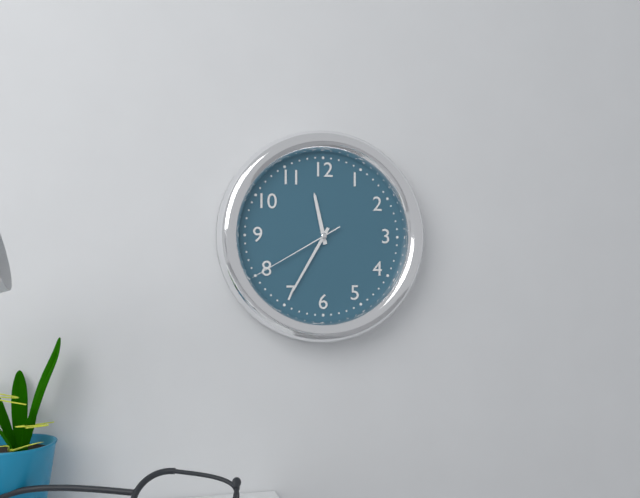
11:35:40
